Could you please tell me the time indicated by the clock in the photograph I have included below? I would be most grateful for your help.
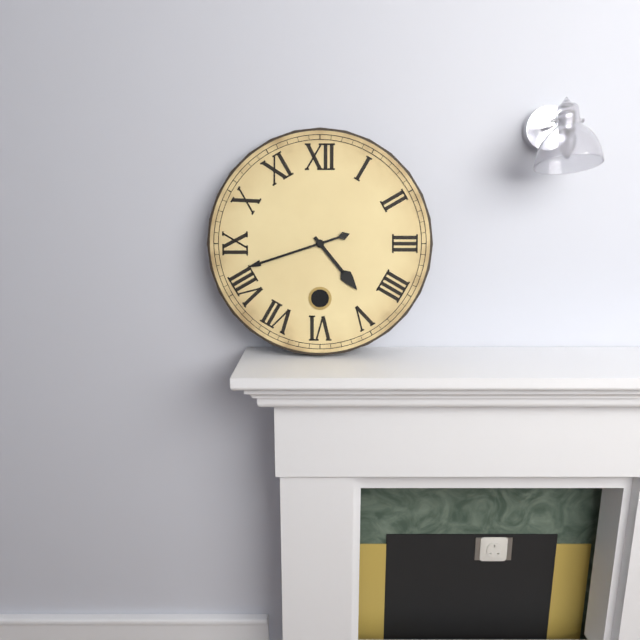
4:42
